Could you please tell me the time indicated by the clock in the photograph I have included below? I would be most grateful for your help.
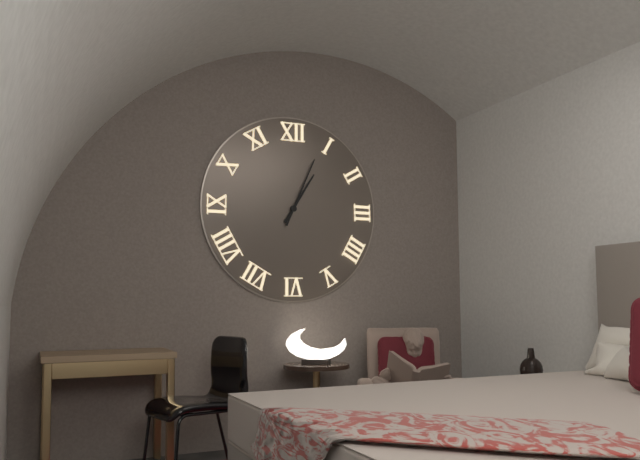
1:04
